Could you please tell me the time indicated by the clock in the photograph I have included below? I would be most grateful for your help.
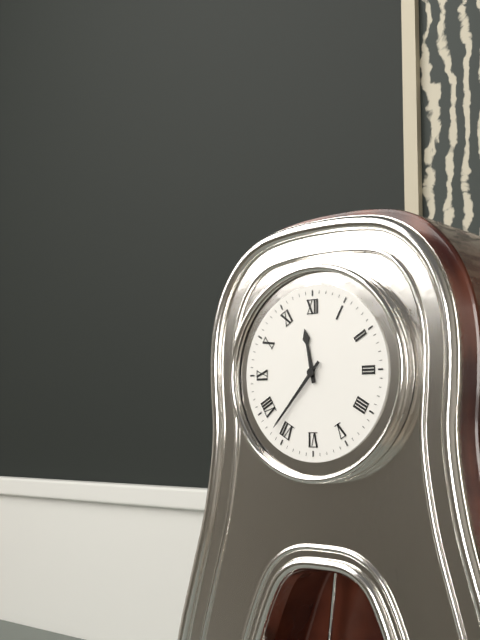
11:37
